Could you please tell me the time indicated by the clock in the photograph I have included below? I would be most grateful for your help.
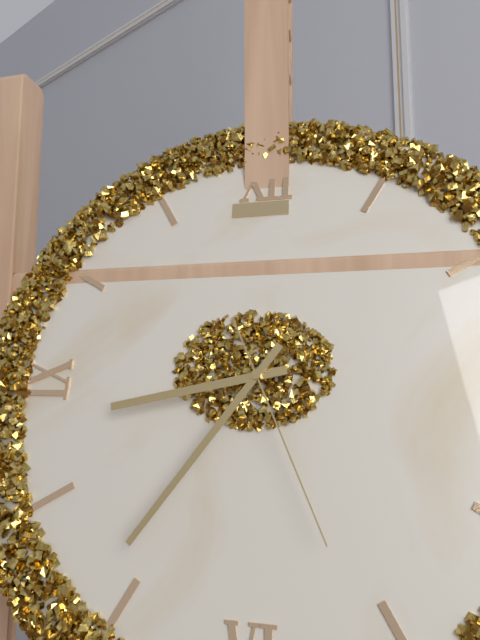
8:36:26
